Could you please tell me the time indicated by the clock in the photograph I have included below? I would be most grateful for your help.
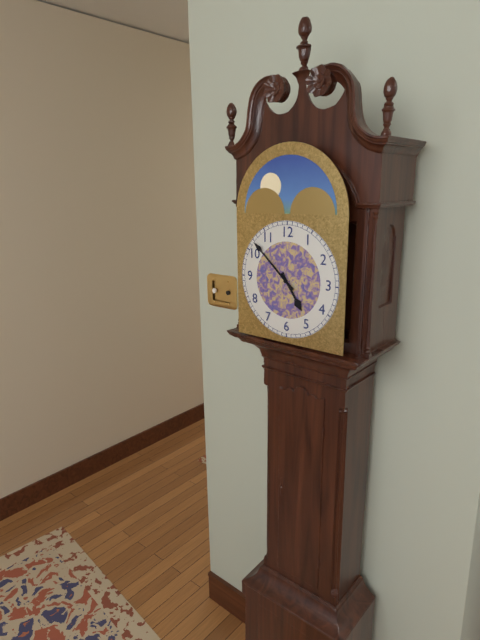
4:52
